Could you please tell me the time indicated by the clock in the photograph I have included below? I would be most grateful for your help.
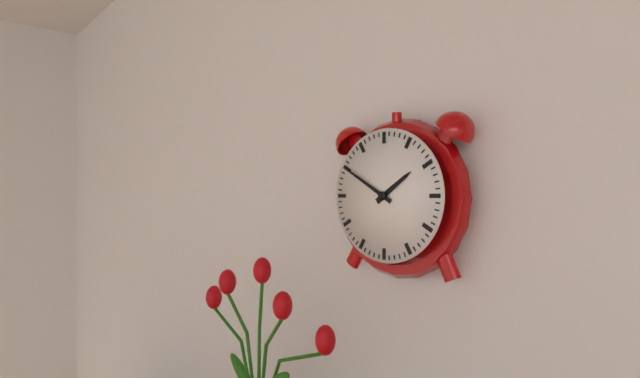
1:50
